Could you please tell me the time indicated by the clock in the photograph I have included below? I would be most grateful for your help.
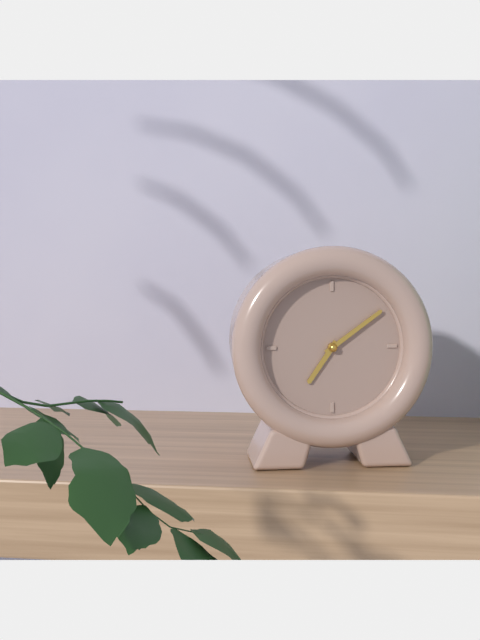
7:09
